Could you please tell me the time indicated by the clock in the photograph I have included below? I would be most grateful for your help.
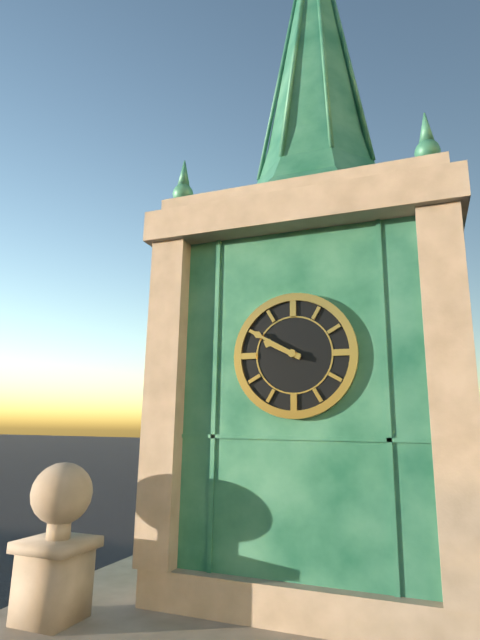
9:50
